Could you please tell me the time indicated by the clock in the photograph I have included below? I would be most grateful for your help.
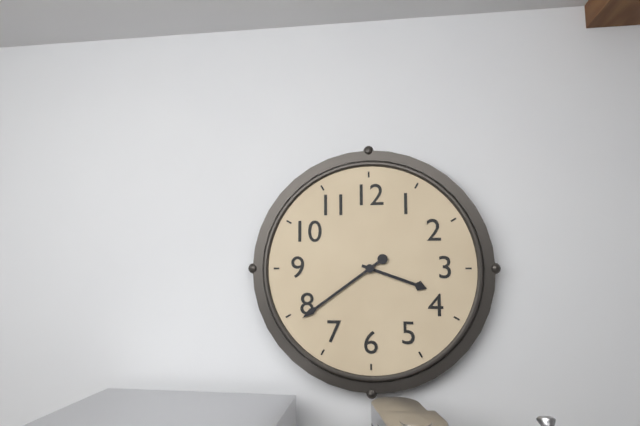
3:39
